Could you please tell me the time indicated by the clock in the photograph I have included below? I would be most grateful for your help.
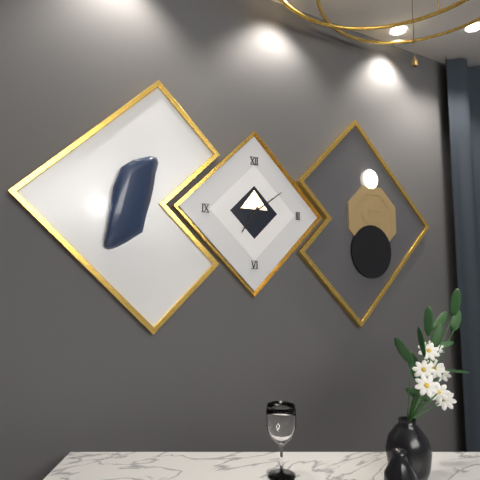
7:09
